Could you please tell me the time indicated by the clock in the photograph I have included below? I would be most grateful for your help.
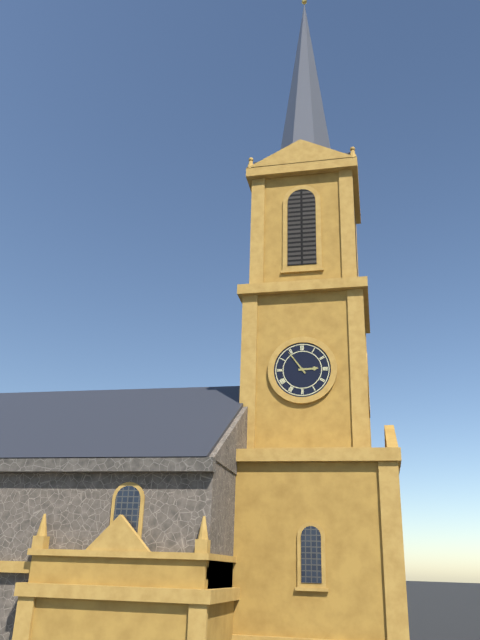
2:54
